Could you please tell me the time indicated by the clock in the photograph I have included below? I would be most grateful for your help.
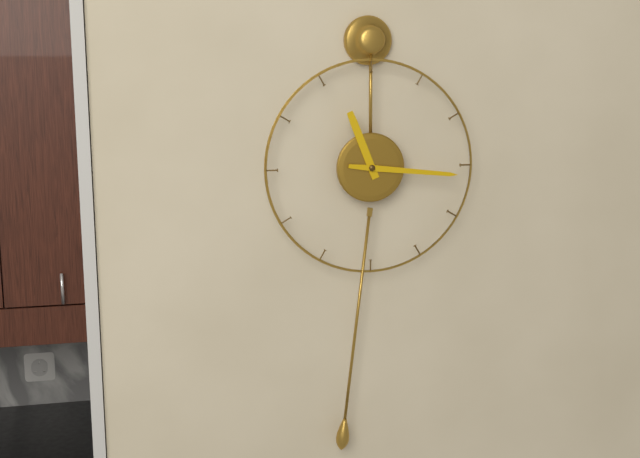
11:16
